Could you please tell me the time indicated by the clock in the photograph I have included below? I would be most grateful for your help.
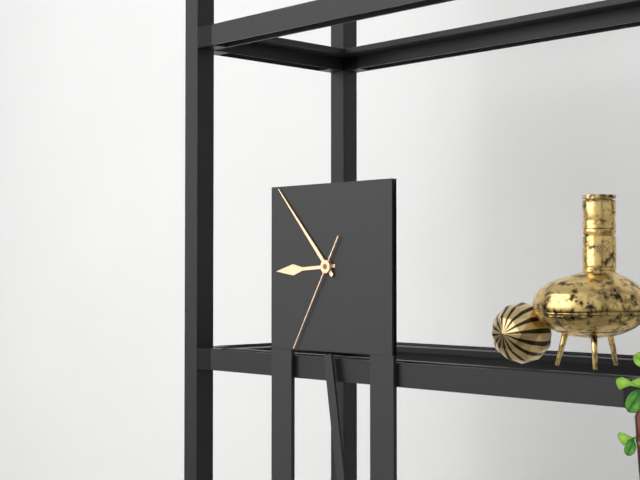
8:53:35
